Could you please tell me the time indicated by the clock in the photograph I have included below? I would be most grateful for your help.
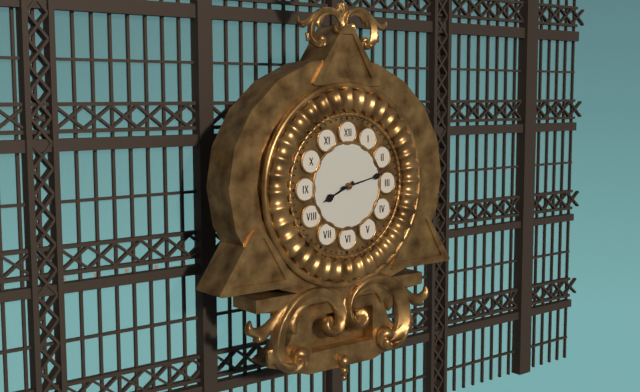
8:13
